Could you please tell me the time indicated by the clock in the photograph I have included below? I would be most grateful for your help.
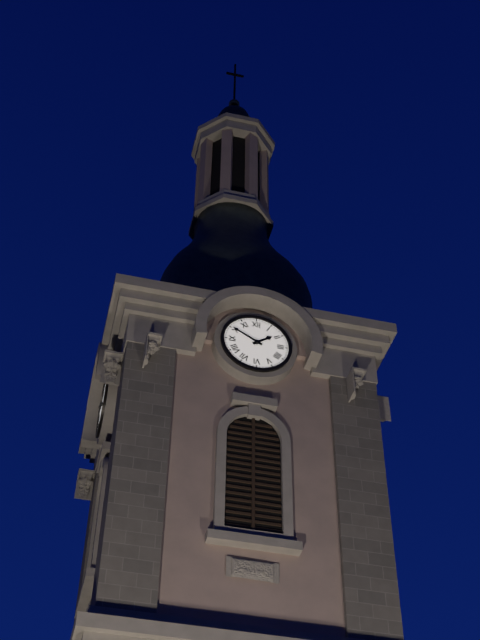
1:50
